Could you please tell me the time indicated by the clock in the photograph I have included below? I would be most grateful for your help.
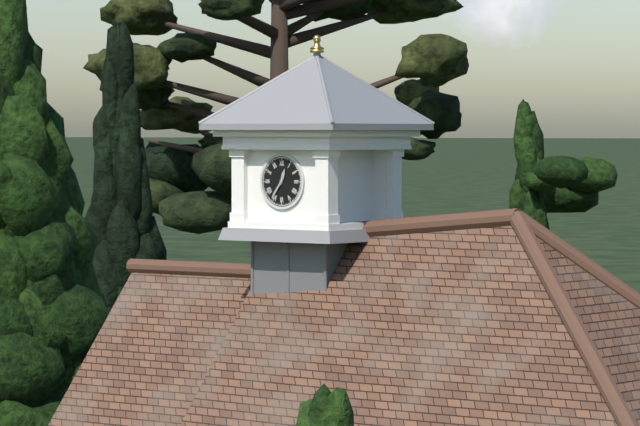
12:36
